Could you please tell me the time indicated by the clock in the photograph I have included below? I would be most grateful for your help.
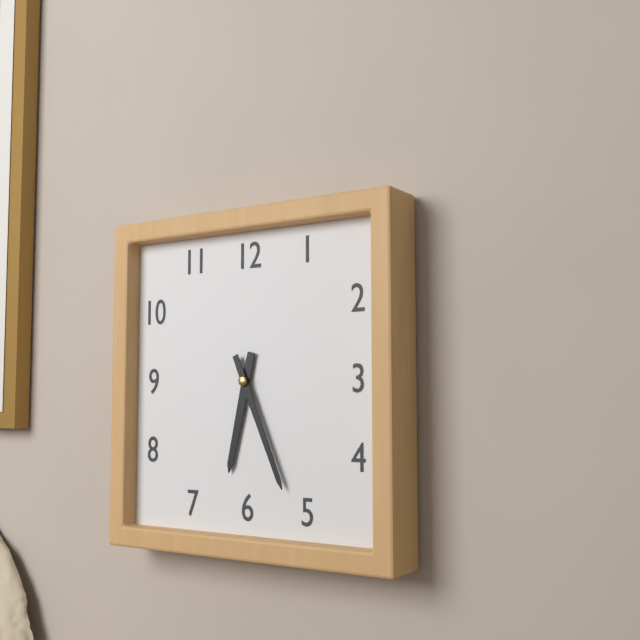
6:26
